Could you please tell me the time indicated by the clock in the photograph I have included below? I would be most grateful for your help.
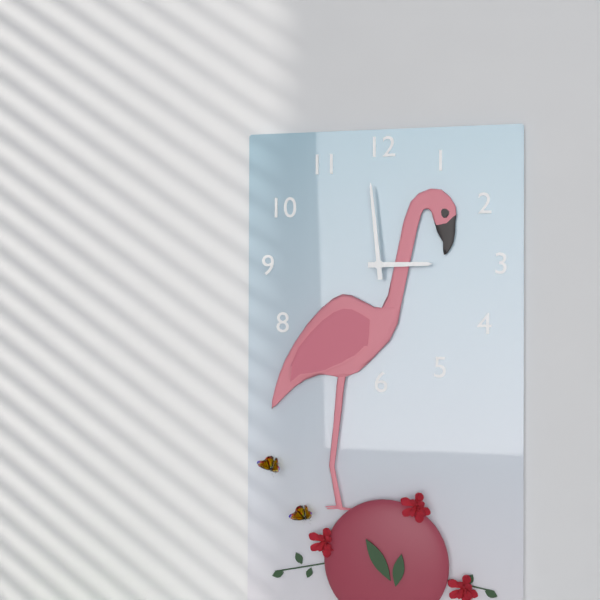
2:59
